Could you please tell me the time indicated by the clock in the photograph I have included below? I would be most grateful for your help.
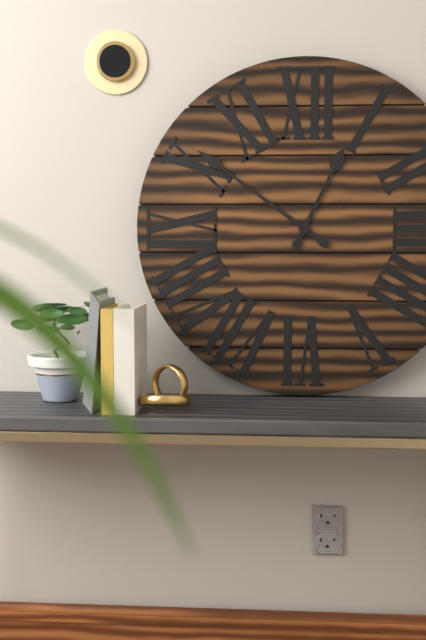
12:51
